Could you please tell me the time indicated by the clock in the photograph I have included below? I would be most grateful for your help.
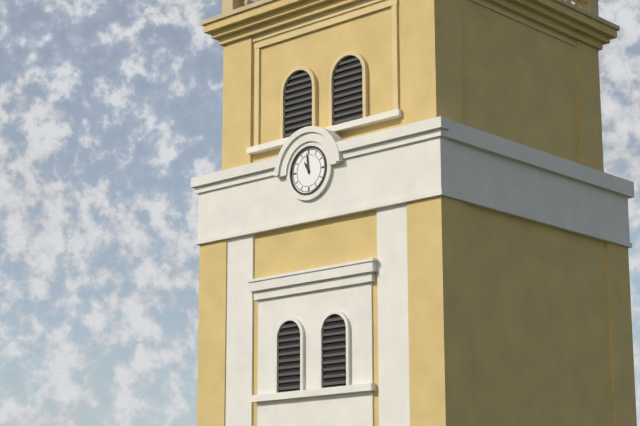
10:59
